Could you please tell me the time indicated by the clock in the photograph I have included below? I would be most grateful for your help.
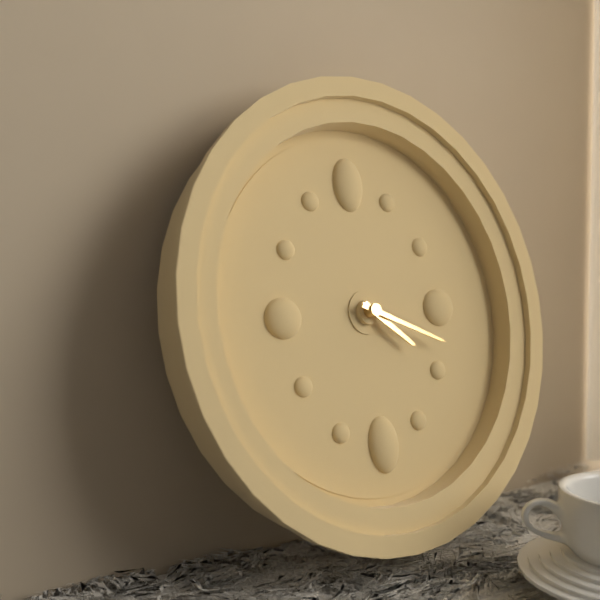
4:19
